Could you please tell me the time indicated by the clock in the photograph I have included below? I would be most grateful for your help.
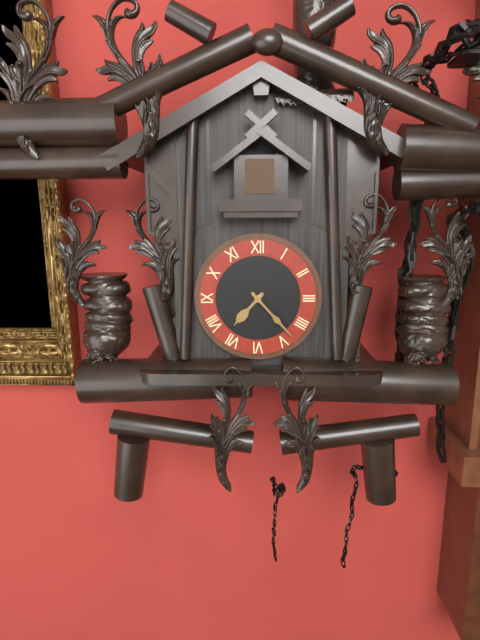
7:23
